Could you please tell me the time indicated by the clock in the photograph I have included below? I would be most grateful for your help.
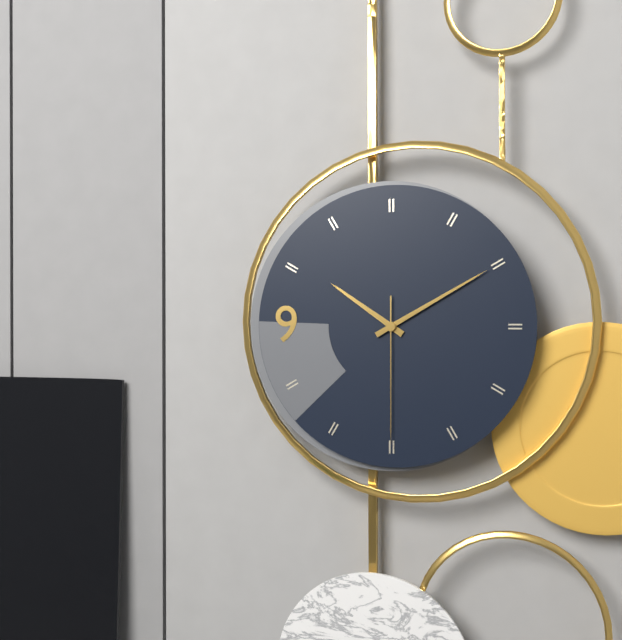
10:10:30
